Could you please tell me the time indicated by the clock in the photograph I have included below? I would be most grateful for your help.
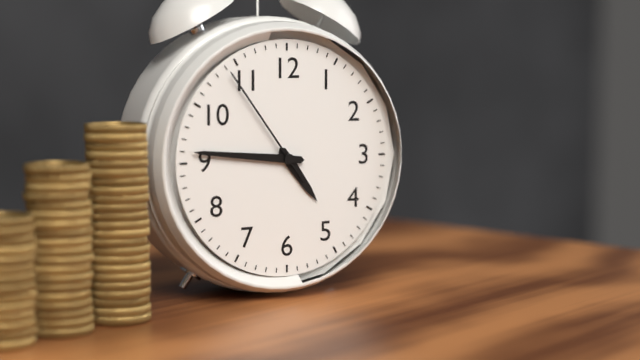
4:46:54
